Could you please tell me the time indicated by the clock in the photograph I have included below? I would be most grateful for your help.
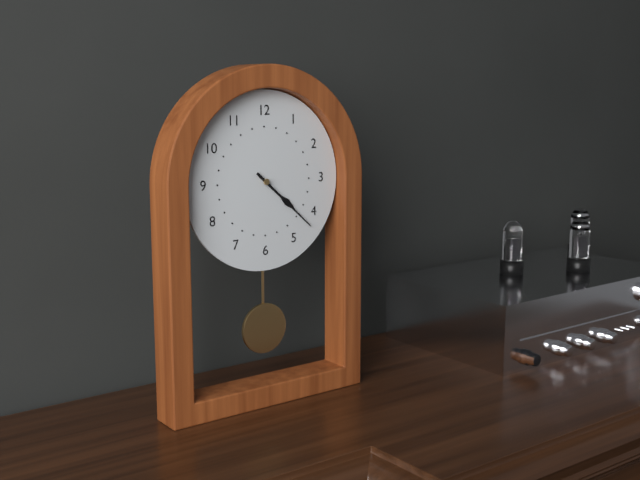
4:22
